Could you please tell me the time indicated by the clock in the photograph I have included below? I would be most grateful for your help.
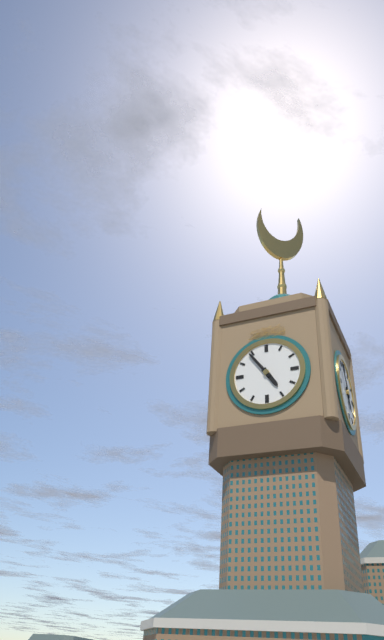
4:54
